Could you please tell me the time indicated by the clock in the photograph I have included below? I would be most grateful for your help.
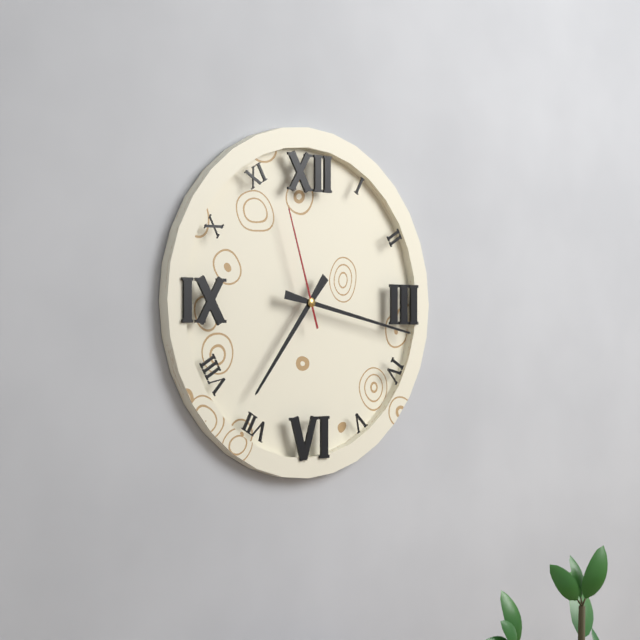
7:17:57
